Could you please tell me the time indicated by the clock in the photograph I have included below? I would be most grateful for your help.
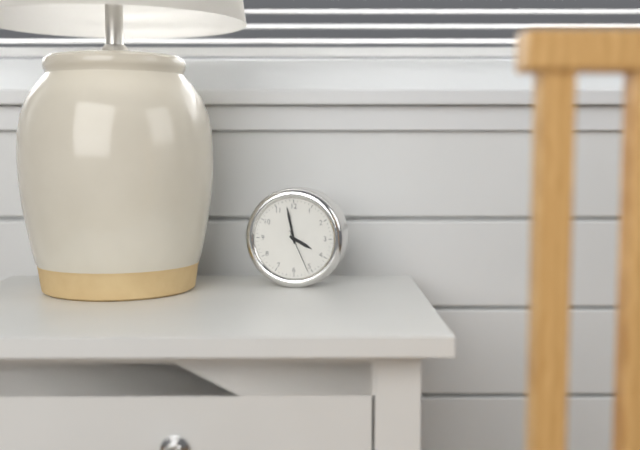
3:58
